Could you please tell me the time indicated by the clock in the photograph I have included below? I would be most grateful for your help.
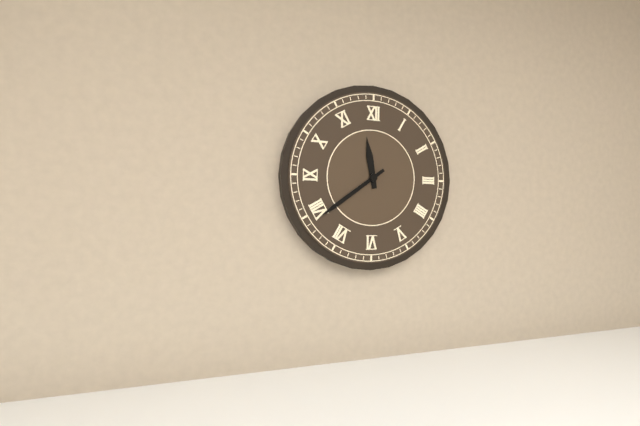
11:39
